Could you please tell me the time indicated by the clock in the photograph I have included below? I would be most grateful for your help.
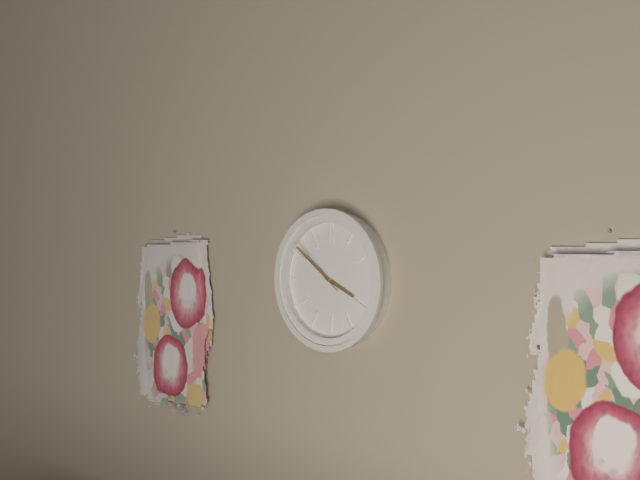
3:51:52
